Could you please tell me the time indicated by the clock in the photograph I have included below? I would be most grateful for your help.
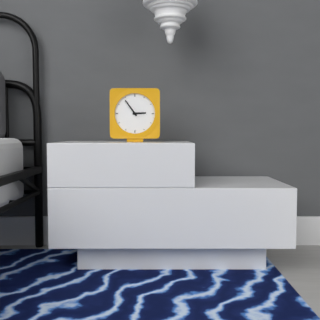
2:54
